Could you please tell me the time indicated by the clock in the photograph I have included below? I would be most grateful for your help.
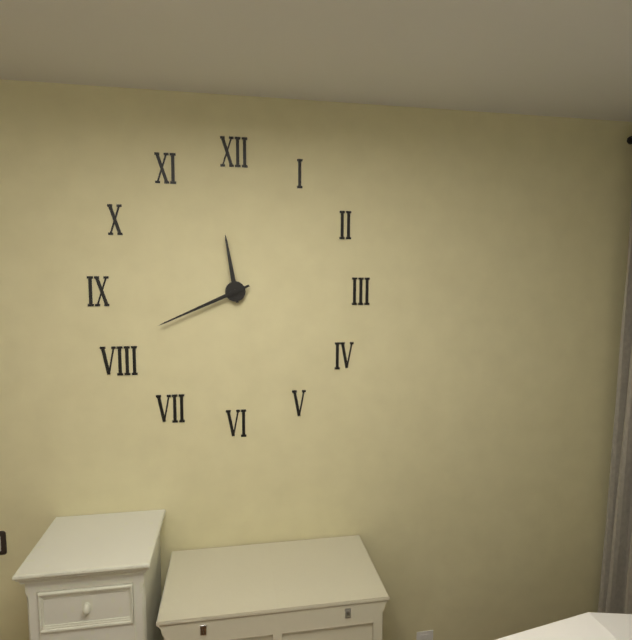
11:41
